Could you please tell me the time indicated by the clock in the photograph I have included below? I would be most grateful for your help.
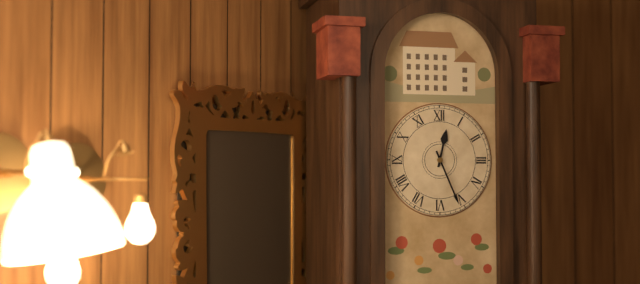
12:26
